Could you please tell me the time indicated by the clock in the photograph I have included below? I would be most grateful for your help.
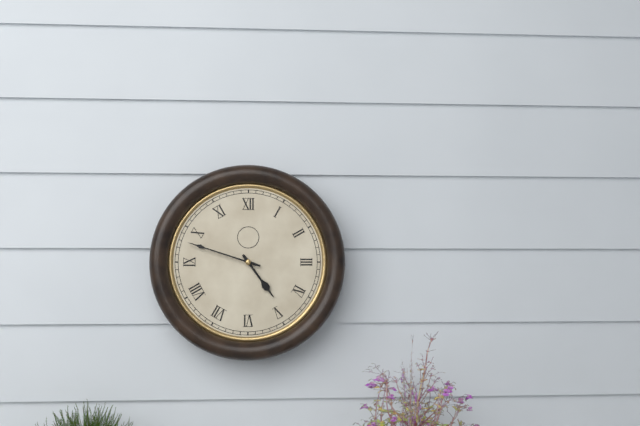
4:48
